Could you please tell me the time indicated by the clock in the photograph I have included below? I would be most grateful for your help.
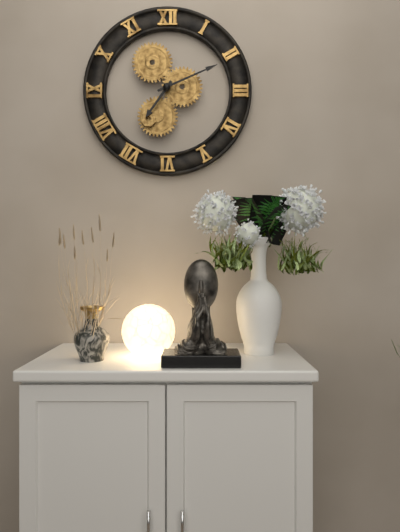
7:11
